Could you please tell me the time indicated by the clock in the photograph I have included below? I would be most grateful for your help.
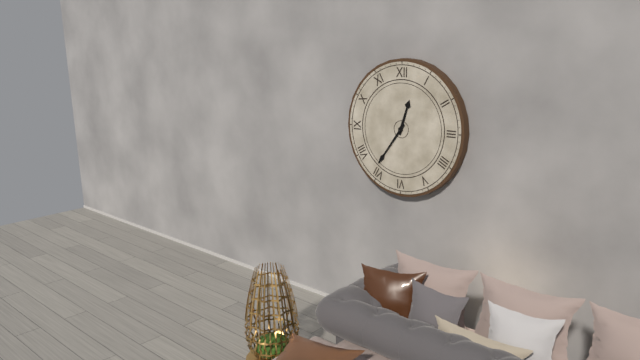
12:36
